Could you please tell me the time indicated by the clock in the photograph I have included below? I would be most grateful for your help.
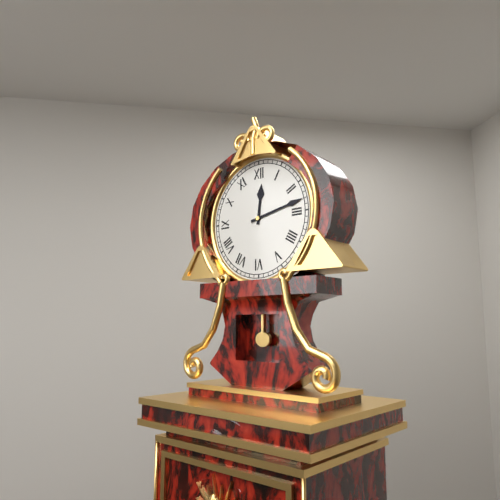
12:13
